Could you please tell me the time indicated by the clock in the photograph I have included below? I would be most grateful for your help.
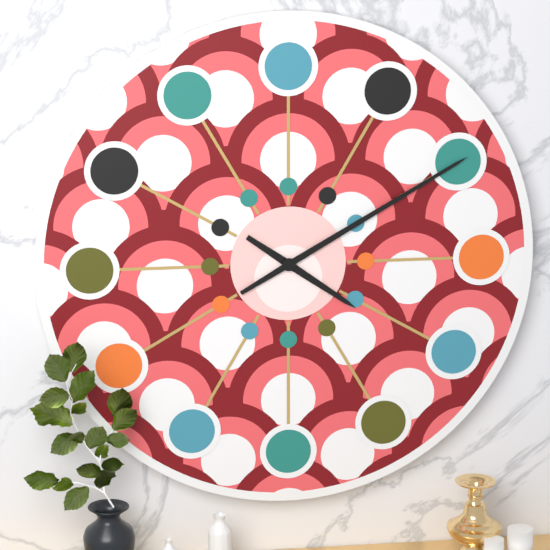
4:10
